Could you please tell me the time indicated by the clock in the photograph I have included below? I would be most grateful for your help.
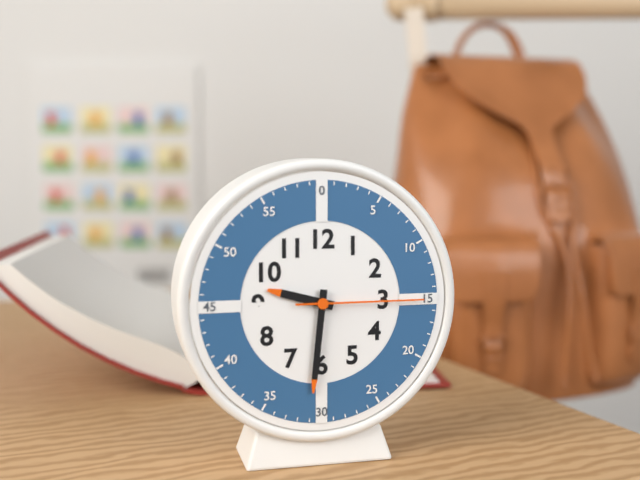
9:31:15
